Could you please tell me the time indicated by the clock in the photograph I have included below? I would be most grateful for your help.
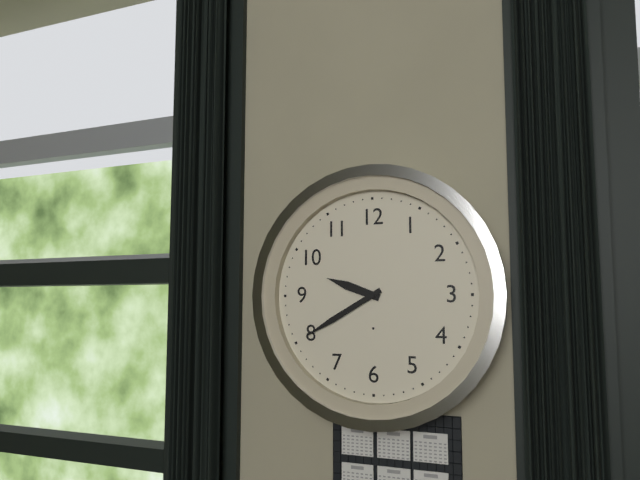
9:40
